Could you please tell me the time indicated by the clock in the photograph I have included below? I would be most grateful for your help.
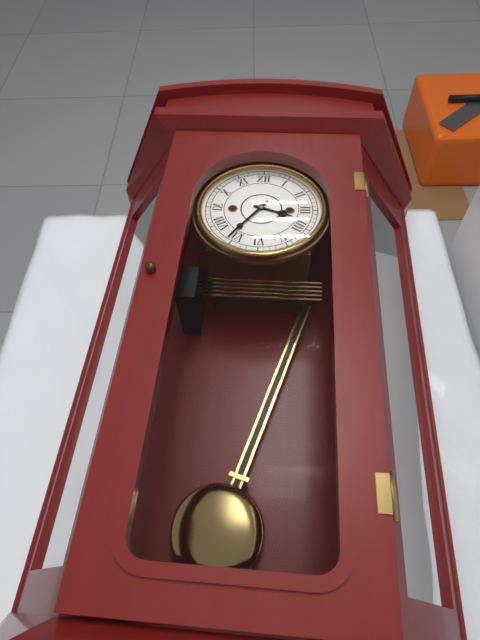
3:36
